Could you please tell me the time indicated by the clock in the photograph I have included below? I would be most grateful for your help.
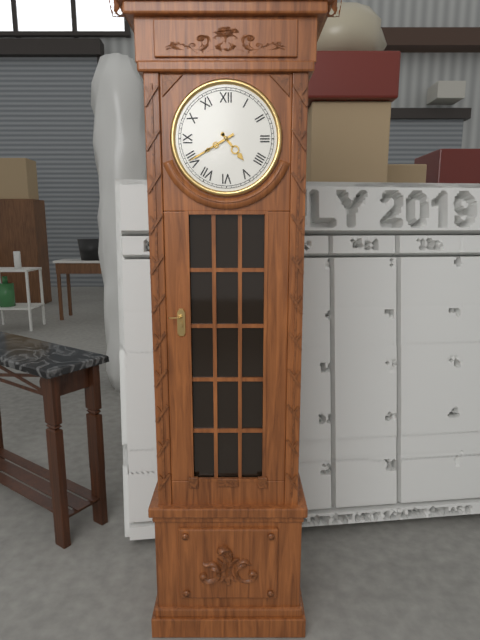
4:40
